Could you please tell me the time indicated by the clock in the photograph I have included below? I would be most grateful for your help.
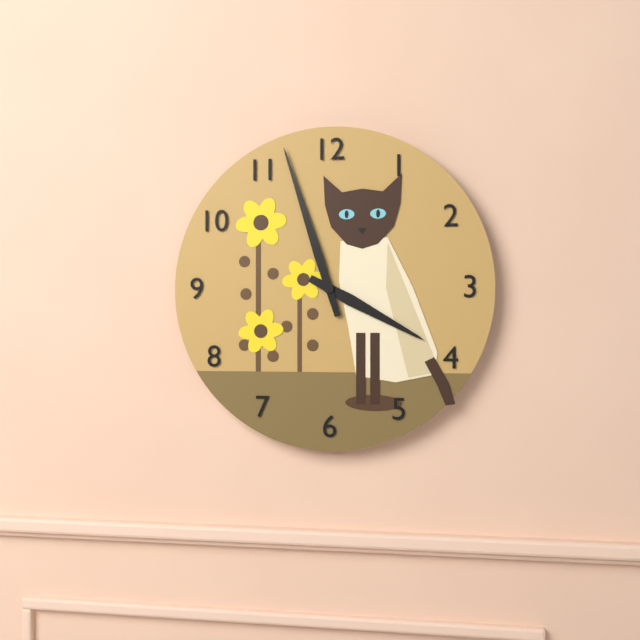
3:57
